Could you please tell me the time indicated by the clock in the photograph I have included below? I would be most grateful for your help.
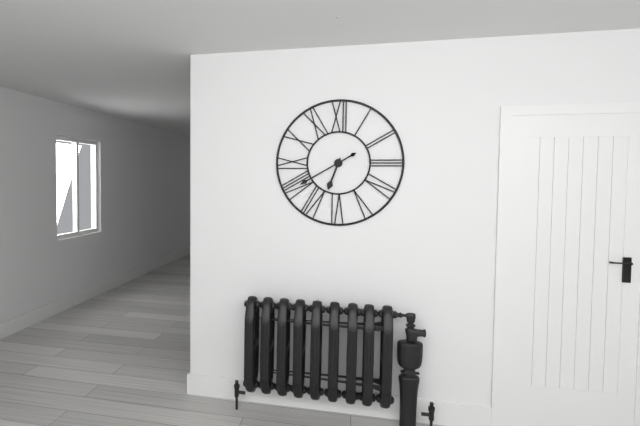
6:40
